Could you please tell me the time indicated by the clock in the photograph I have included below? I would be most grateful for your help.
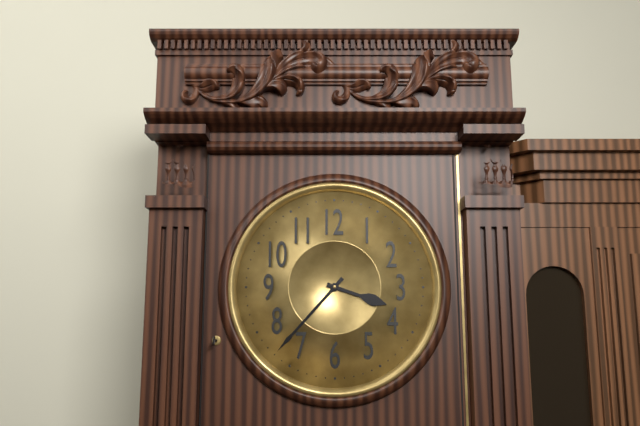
3:37
